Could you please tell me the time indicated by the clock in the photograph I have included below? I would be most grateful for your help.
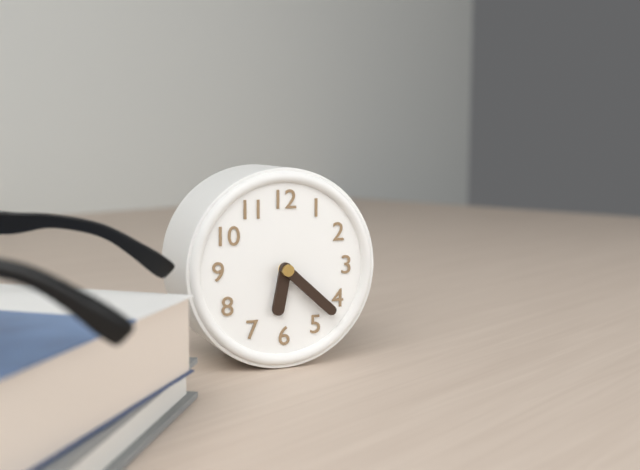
6:22
